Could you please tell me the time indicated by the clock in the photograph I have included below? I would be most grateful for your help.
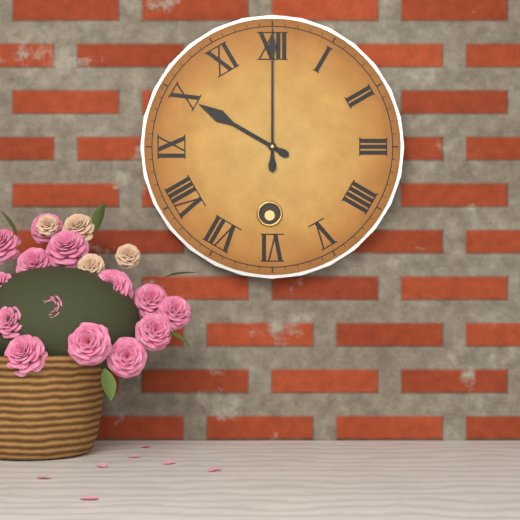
10:00
